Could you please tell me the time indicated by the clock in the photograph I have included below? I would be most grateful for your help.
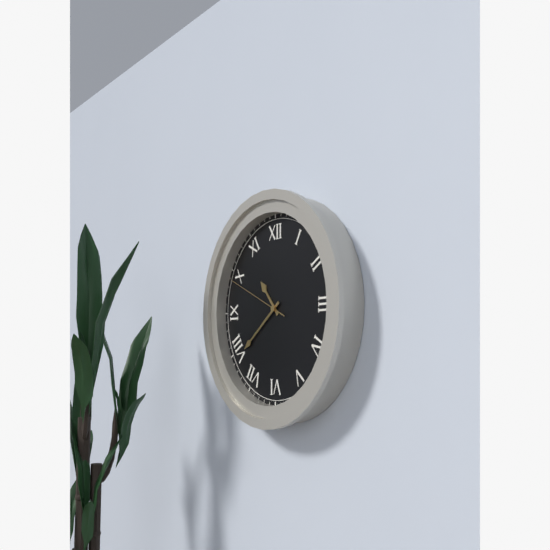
10:39:49
